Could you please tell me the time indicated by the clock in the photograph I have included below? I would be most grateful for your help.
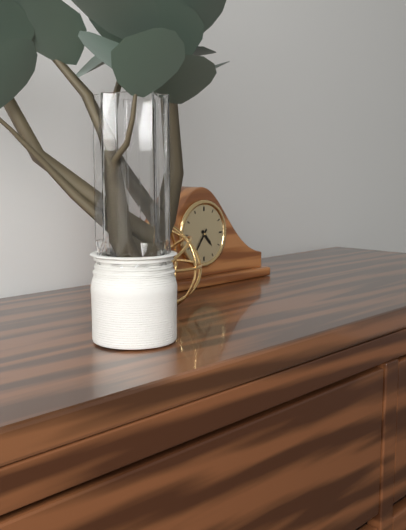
4:36
